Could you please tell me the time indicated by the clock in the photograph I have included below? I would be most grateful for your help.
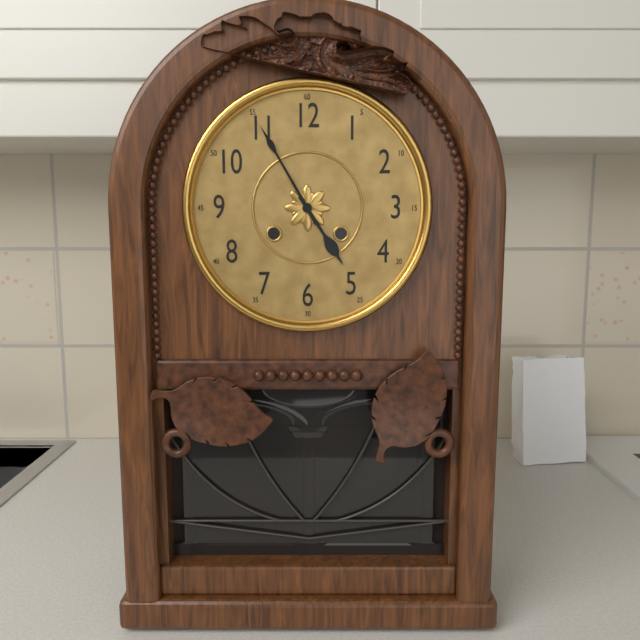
4:55
